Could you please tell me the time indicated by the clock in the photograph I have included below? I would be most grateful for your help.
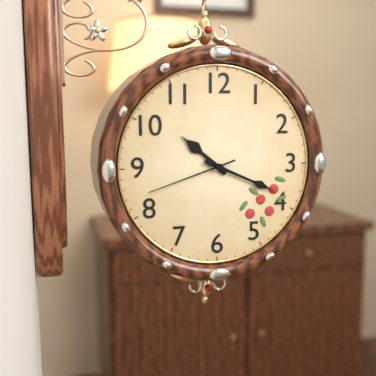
10:19:42
